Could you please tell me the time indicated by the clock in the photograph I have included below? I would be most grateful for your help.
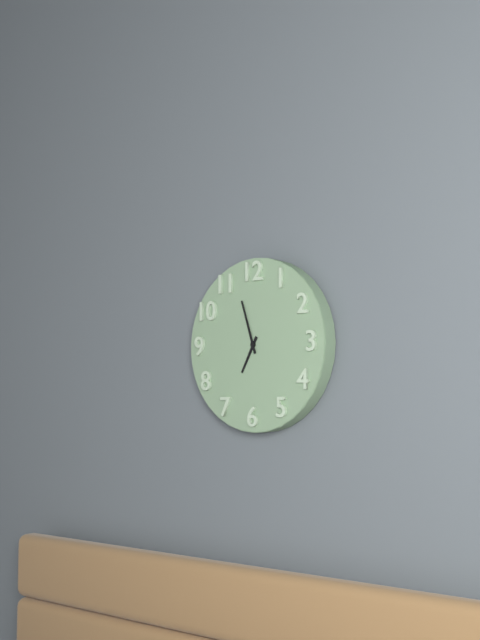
6:57
